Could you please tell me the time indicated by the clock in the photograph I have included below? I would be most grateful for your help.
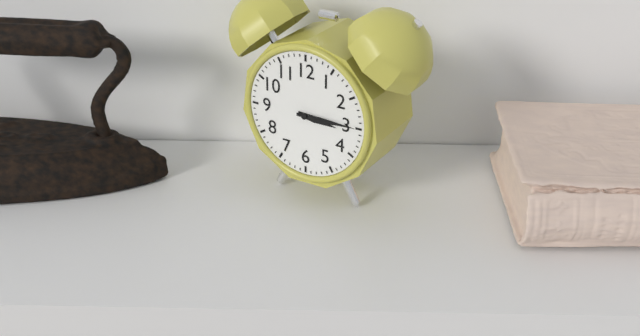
3:15
